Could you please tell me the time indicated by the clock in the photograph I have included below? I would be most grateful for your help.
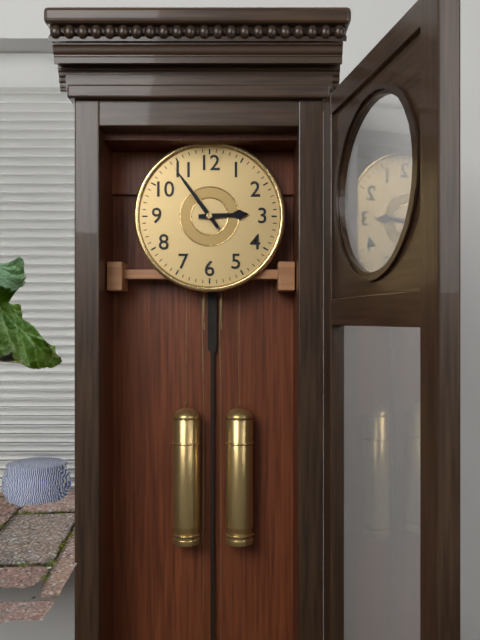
2:54
